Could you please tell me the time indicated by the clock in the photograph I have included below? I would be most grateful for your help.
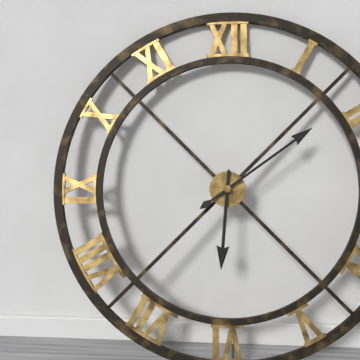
6:09
